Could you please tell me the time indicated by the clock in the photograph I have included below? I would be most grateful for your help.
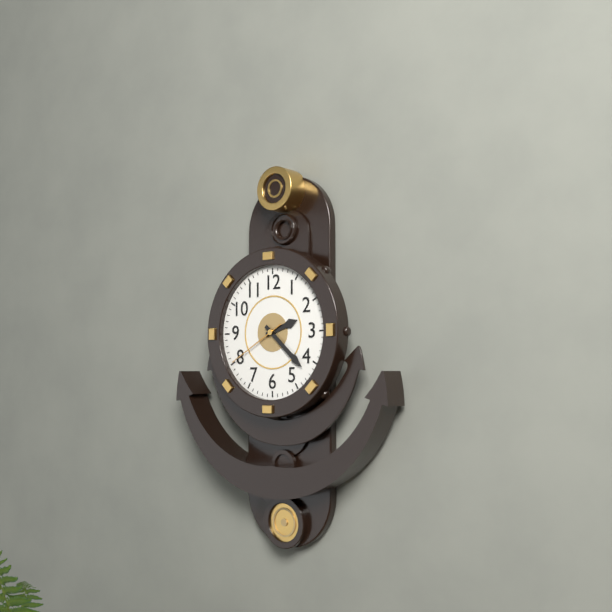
2:22:40
